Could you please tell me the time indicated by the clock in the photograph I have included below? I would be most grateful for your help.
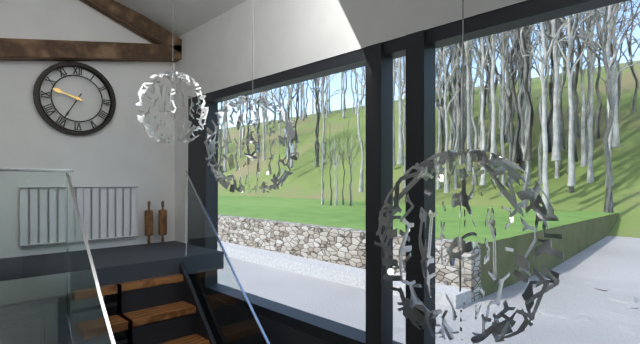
9:35
